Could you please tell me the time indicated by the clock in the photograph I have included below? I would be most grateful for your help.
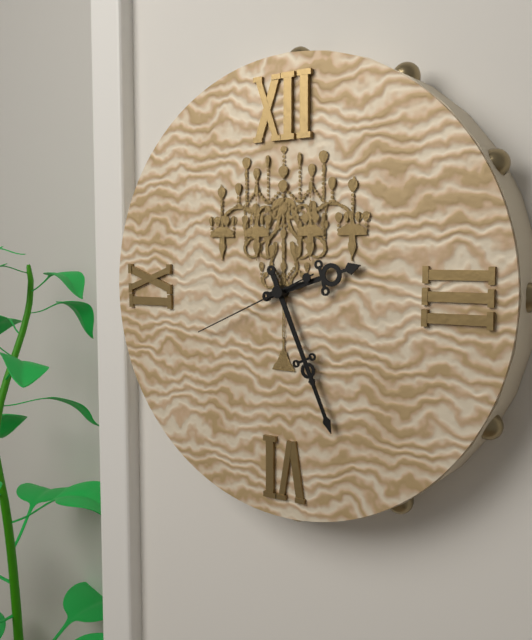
2:26:41
